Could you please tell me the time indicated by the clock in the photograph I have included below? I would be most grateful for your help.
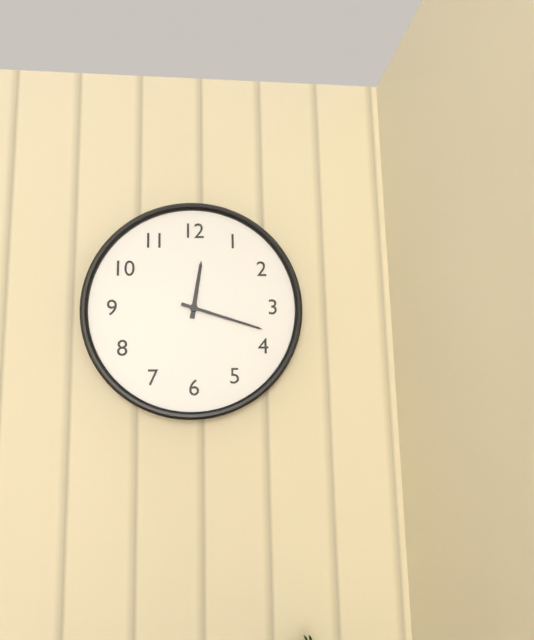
12:18
